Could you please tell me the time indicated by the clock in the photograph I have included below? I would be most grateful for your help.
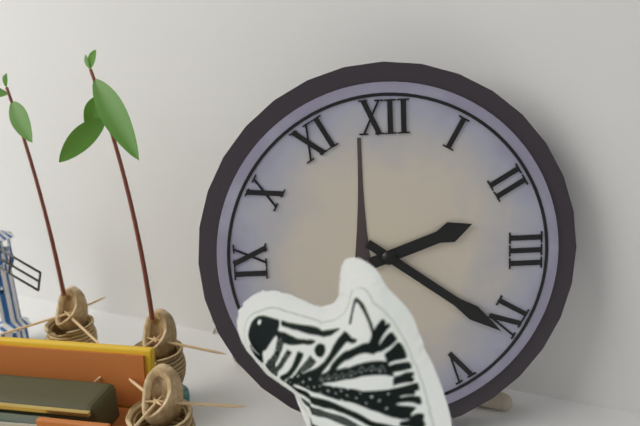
2:21
